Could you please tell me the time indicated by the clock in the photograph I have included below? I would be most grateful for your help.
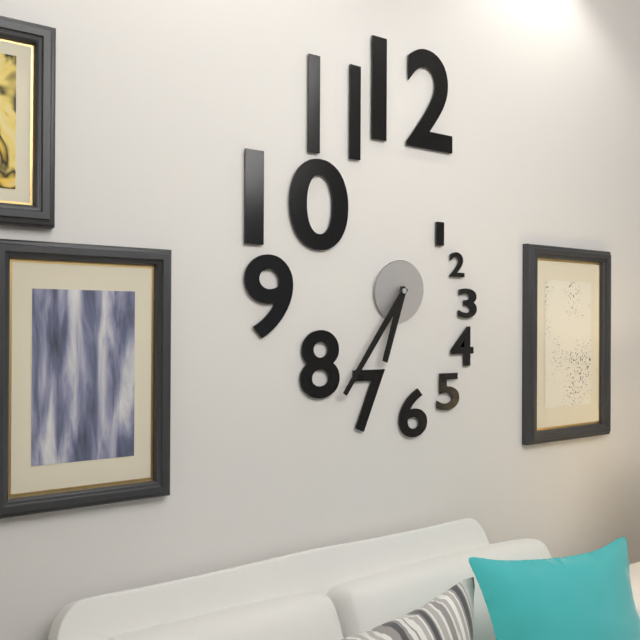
6:36
